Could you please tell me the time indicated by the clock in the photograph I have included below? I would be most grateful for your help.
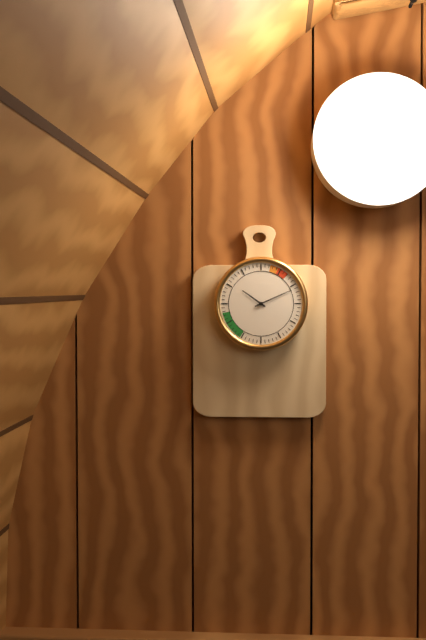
10:11
